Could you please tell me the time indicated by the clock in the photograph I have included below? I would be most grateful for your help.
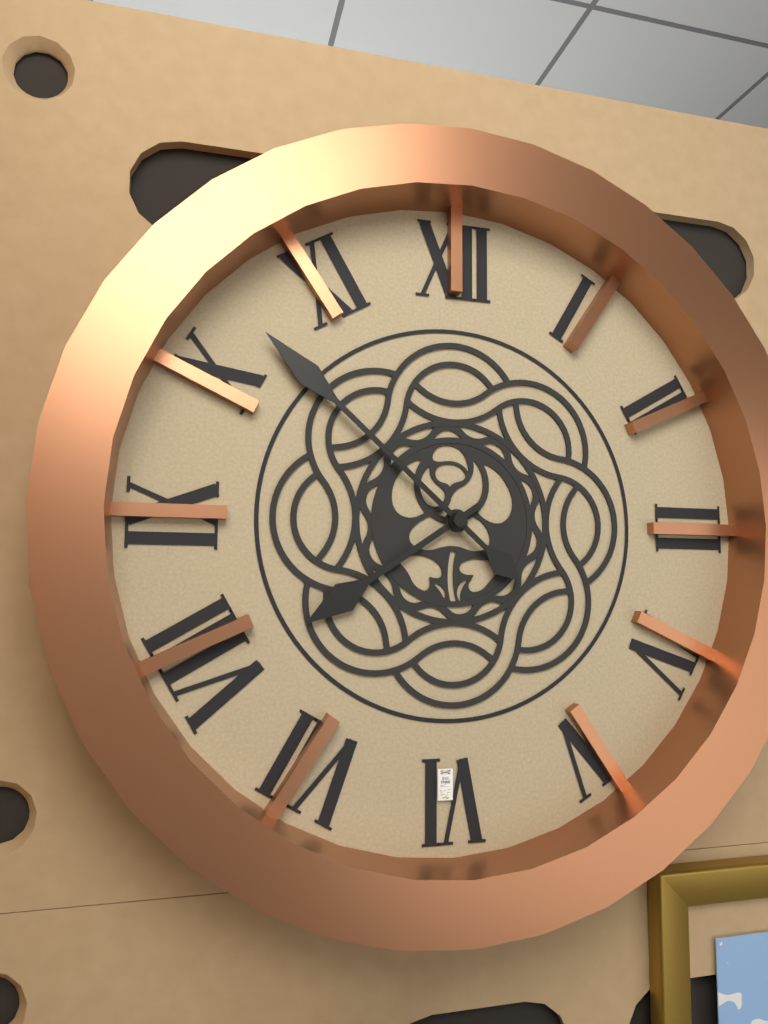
7:52
